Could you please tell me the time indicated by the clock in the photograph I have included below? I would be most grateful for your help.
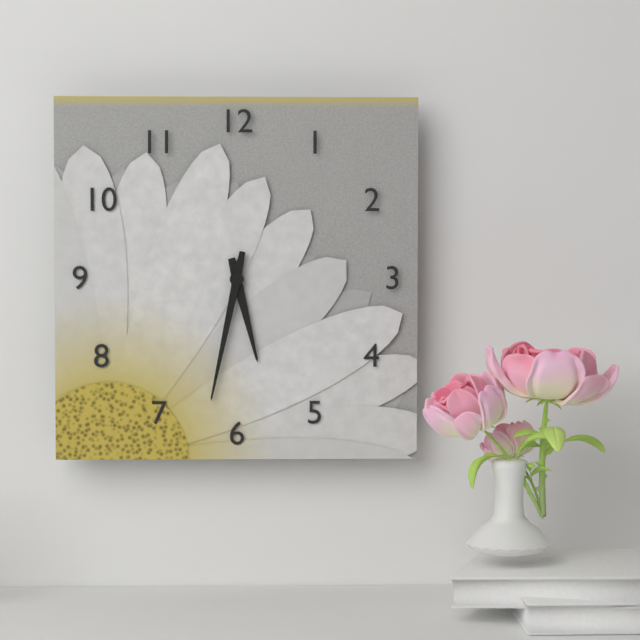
5:32
